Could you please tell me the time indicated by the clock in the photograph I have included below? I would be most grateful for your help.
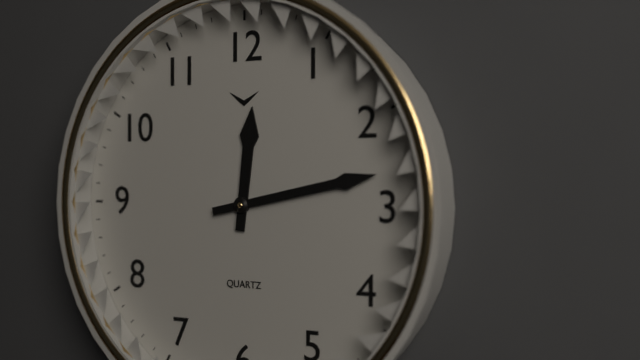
12:13
